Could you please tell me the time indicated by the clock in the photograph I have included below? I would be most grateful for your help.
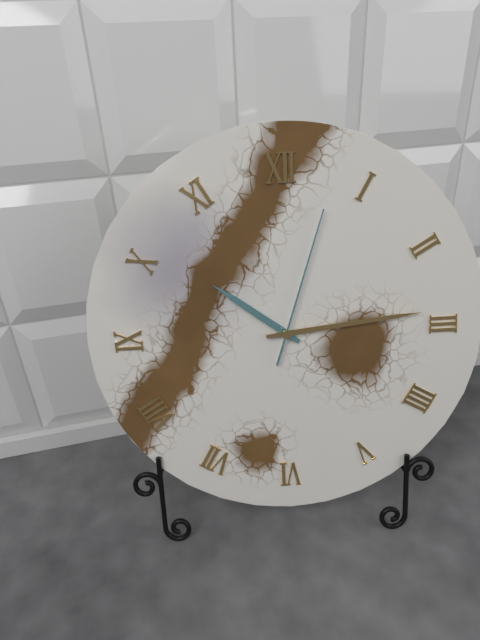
10:14:03
